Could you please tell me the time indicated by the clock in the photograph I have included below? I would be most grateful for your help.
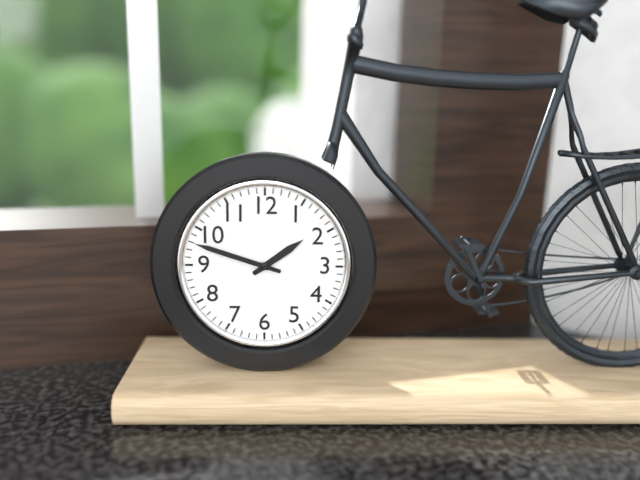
1:48
